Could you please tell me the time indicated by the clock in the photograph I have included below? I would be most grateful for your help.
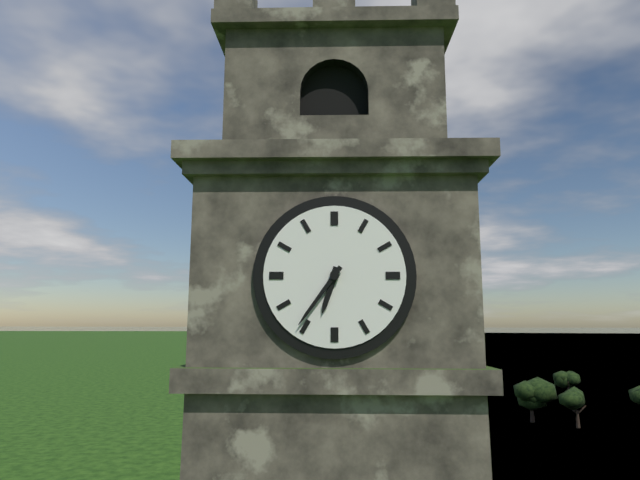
6:36
